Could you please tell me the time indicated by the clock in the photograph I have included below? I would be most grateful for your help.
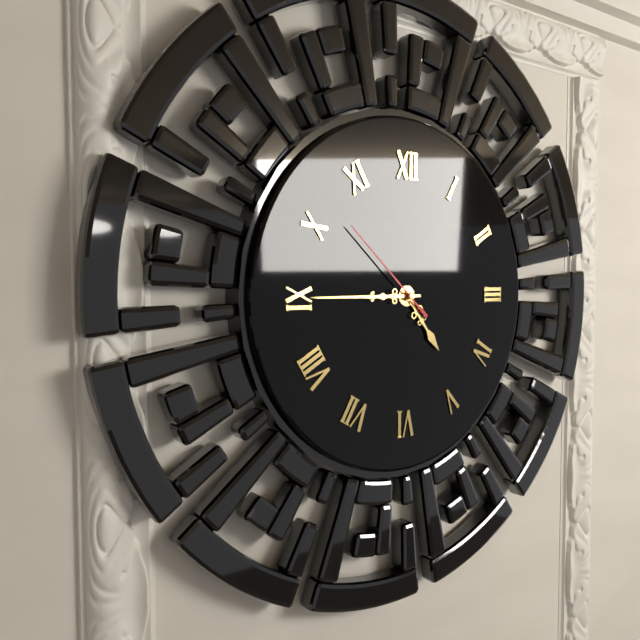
4:45:52
